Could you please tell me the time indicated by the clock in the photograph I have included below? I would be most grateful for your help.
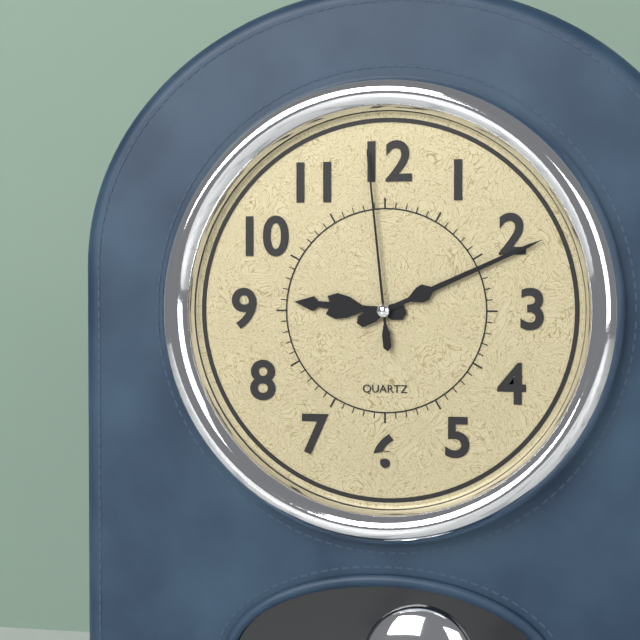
9:11:59
